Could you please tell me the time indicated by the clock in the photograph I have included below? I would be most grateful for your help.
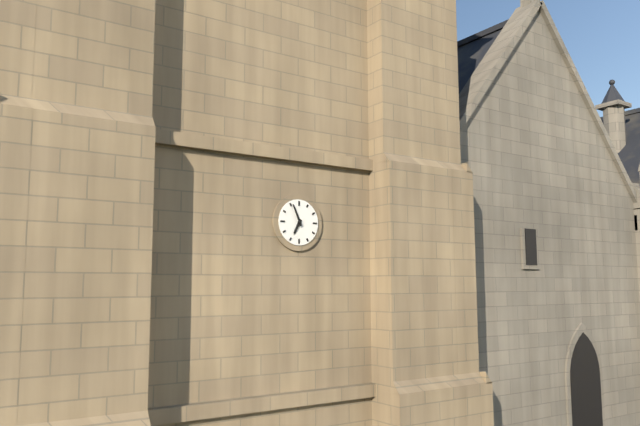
6:56
